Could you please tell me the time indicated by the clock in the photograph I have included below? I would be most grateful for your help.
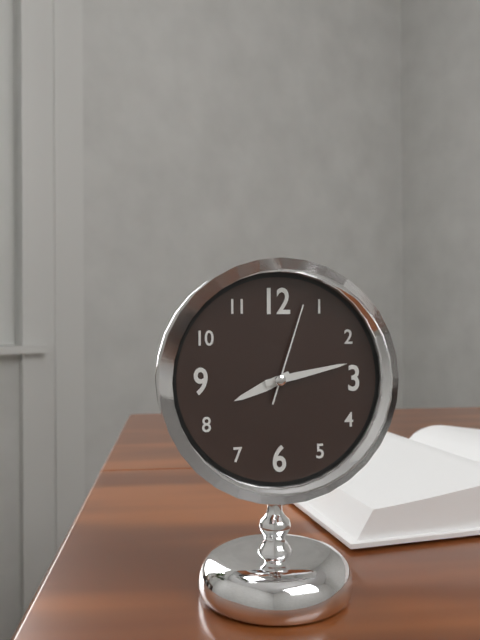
8:13:03
